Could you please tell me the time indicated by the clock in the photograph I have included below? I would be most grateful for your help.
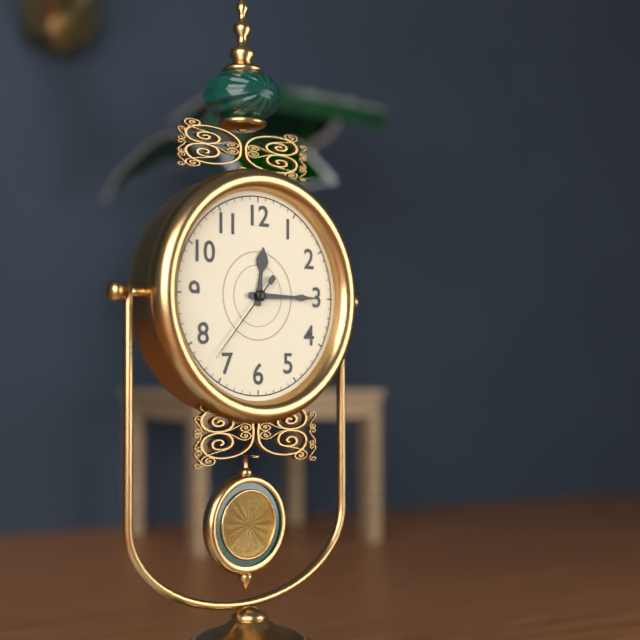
12:15:37
